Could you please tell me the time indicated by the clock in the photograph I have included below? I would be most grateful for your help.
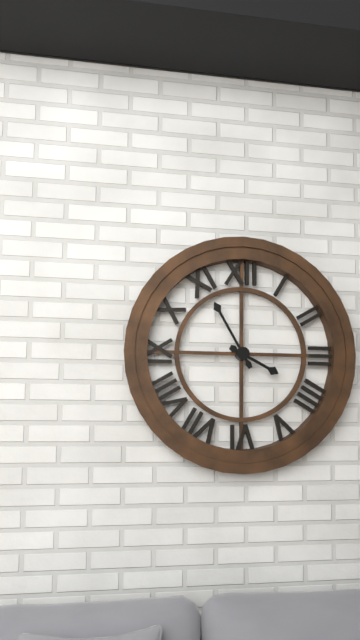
3:55
